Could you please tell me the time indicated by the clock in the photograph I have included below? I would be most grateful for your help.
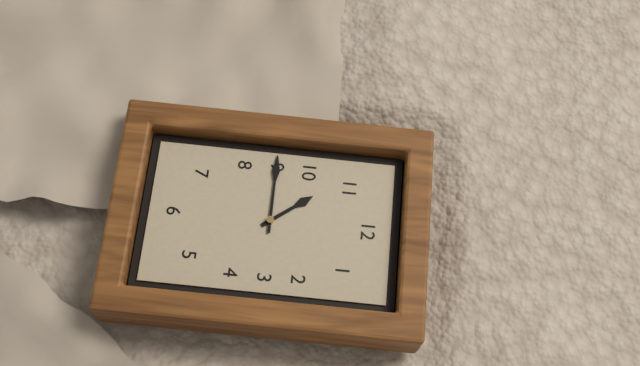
10:45
